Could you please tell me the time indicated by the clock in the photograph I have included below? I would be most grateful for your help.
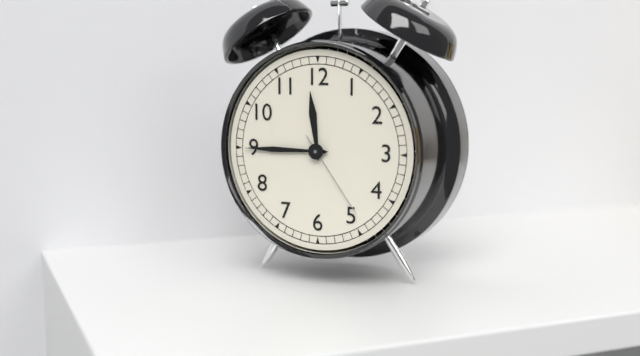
11:45:24
